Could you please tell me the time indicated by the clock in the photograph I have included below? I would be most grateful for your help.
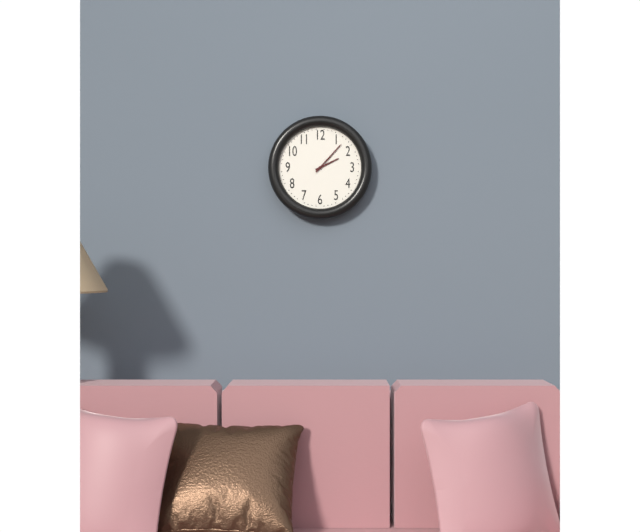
2:07
